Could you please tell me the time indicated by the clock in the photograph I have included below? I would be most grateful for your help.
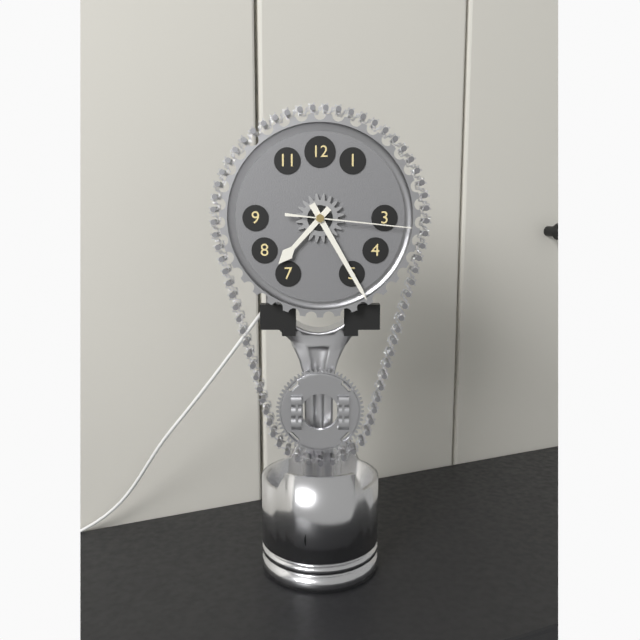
7:25:16
